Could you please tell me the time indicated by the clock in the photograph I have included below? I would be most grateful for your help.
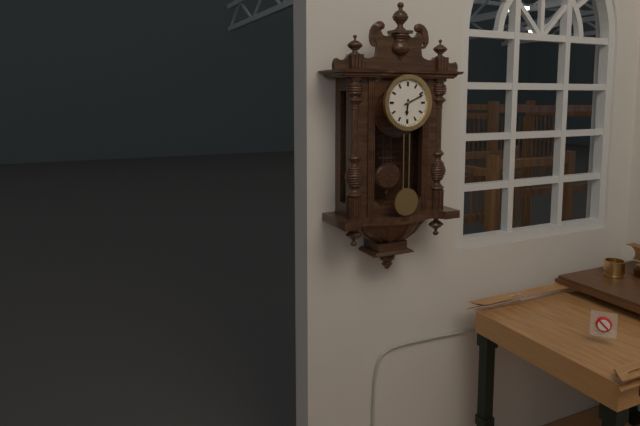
6:11
